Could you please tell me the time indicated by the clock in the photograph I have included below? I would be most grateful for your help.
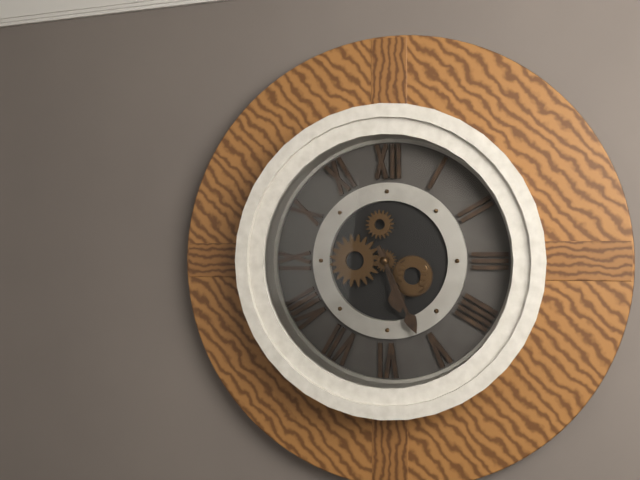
5:26
